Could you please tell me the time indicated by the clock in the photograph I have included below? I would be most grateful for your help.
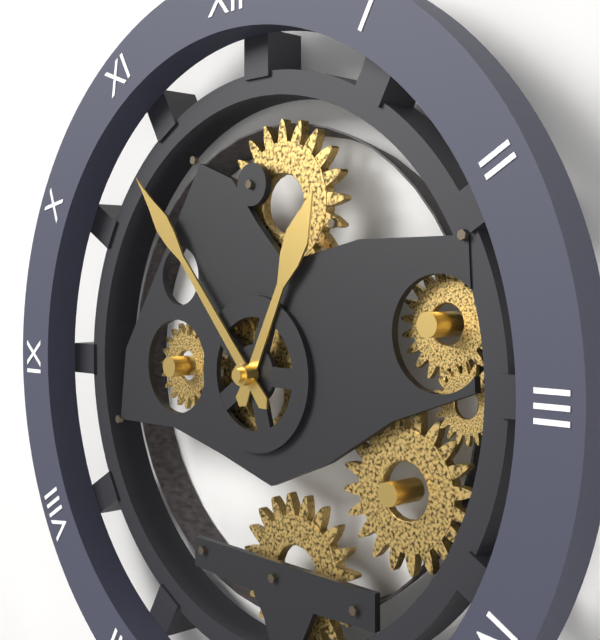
12:53
